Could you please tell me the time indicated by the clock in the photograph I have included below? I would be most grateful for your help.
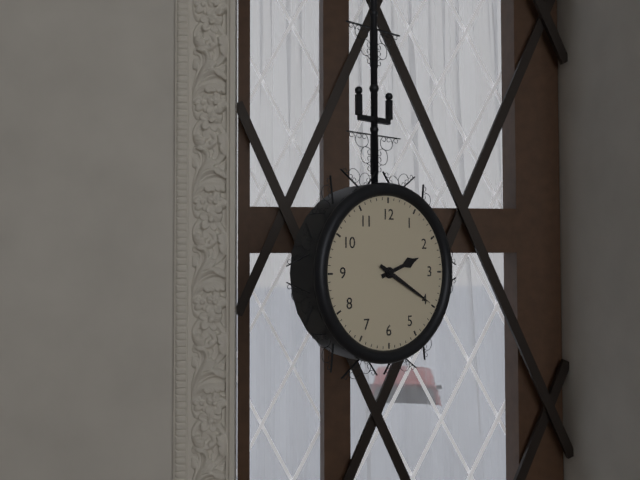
2:20
